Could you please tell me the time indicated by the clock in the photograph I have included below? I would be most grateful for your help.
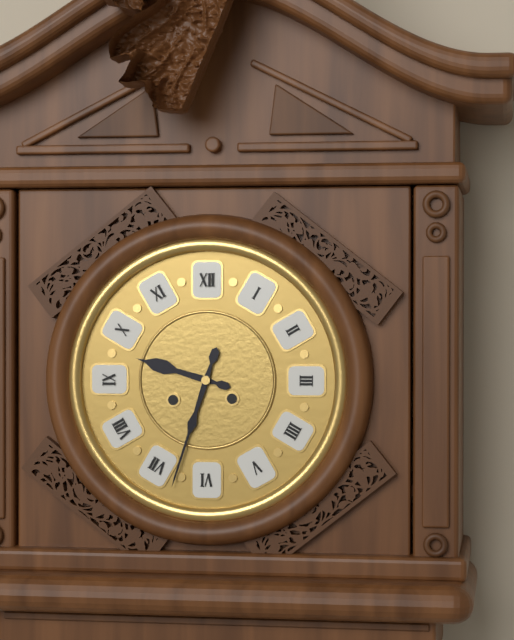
9:33
